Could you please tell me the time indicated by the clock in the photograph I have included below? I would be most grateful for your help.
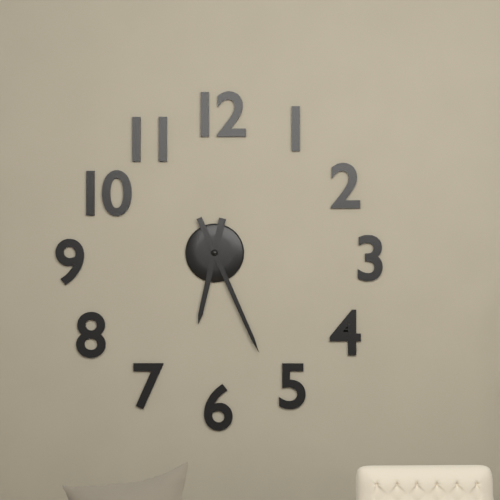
6:26
